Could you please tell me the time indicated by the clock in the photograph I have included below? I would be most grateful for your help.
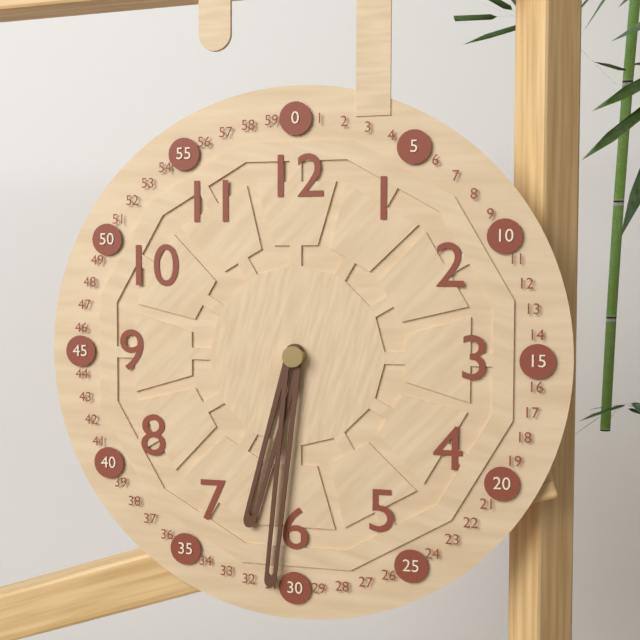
6:31
